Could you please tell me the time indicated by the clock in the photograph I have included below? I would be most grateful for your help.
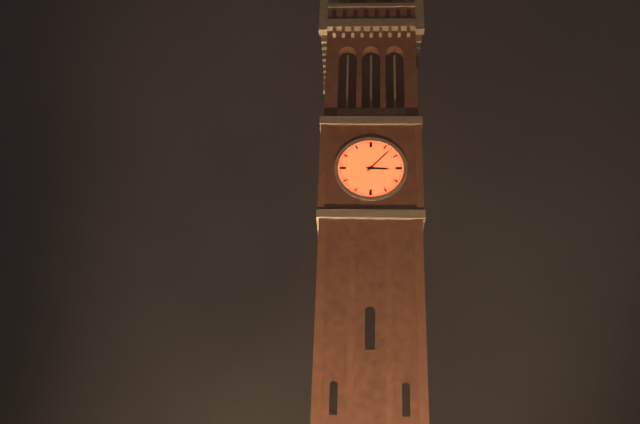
3:07
